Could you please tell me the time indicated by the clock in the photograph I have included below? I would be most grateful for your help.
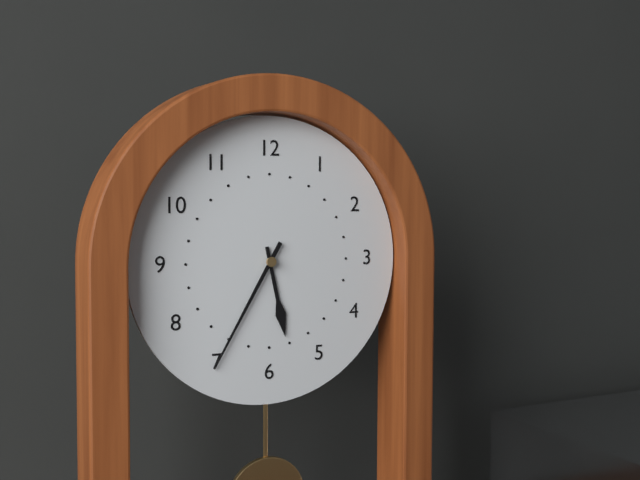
5:35
